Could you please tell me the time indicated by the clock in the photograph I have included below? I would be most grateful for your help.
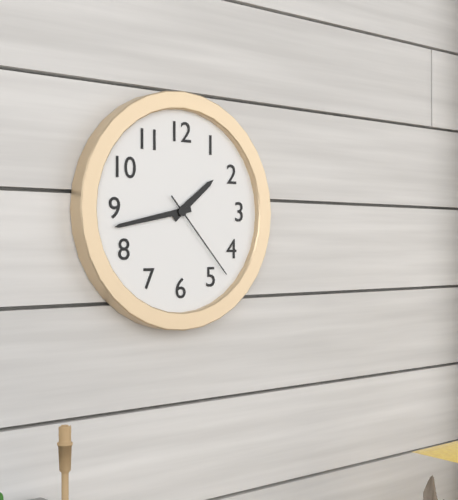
1:43:23
